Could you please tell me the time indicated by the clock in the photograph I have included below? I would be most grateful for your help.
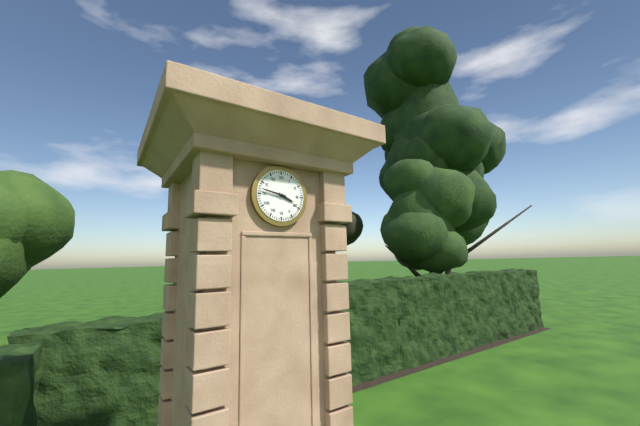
3:47
